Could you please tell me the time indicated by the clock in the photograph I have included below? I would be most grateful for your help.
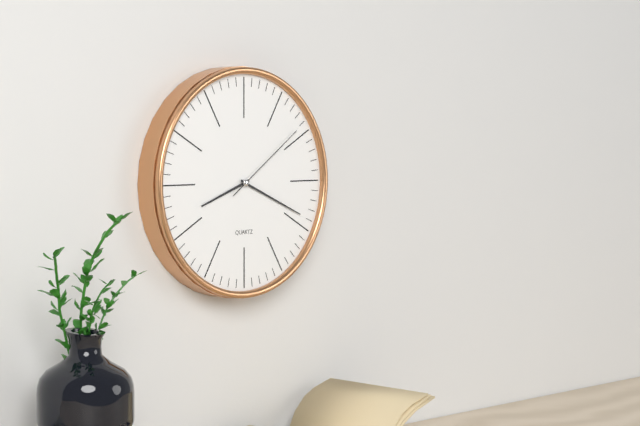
8:19:09
